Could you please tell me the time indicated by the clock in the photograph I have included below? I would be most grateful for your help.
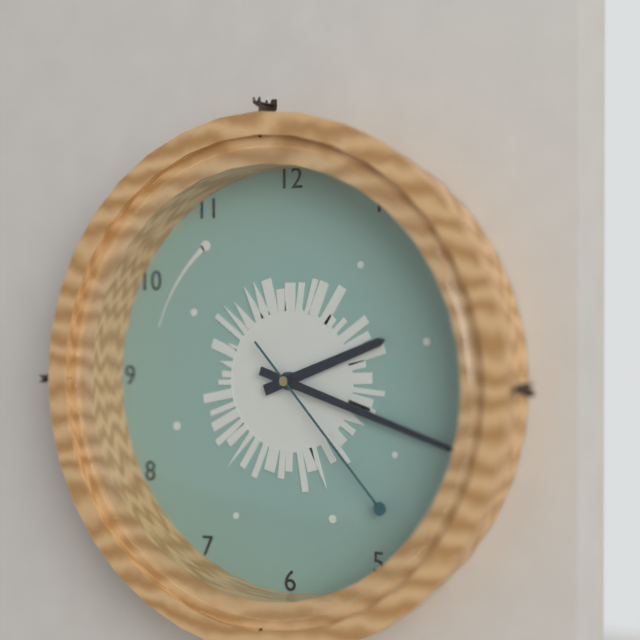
2:18:23
